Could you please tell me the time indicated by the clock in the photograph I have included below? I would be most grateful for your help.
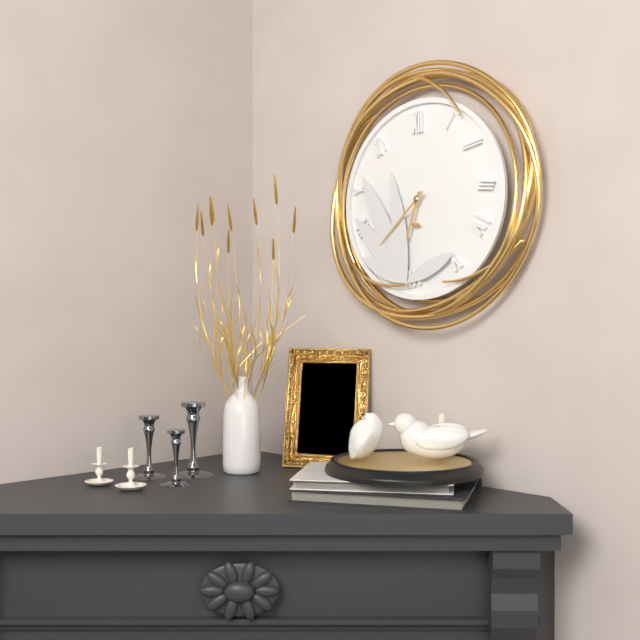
6:38
